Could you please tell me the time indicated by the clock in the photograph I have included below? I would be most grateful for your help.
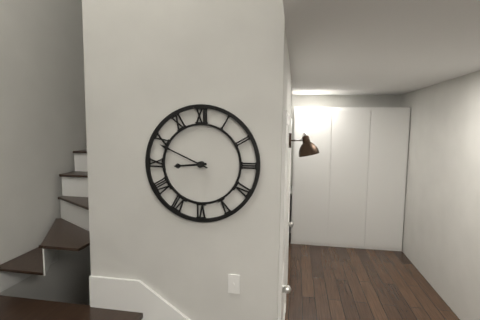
8:49
